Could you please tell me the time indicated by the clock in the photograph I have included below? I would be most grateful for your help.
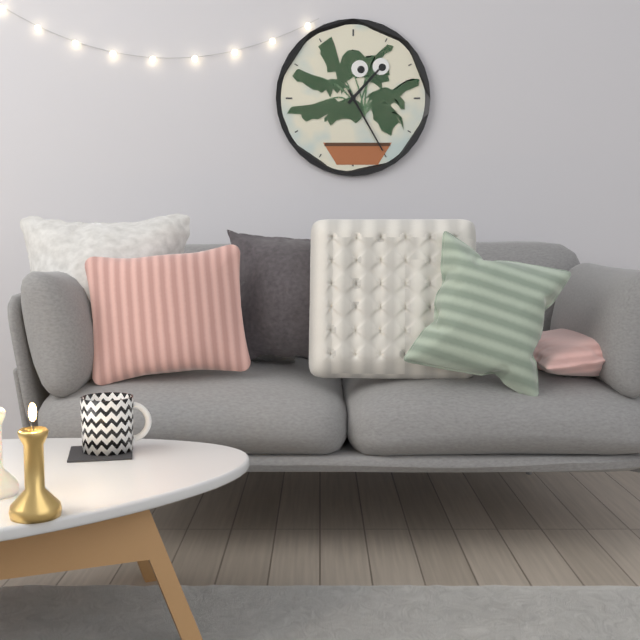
1:25
